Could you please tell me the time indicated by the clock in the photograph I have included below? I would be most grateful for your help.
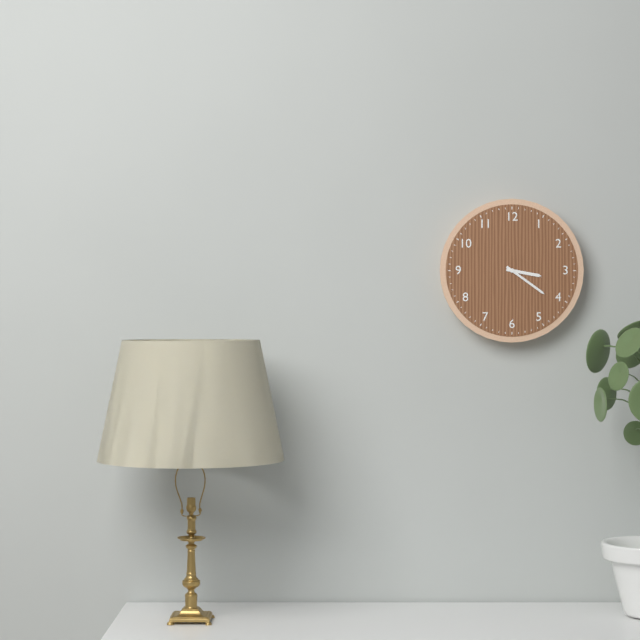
3:21
